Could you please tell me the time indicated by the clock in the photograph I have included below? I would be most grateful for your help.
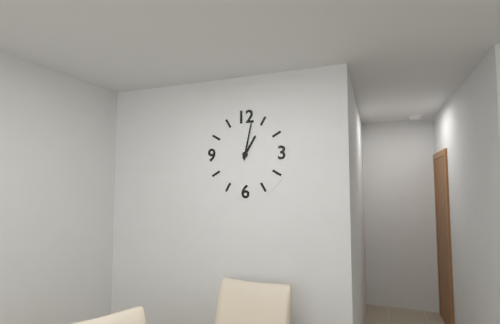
1:02
